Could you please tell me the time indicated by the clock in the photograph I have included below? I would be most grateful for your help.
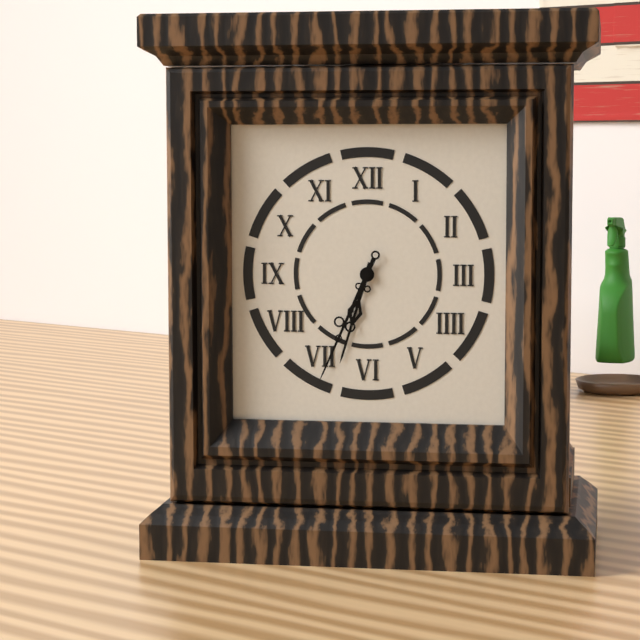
6:34
